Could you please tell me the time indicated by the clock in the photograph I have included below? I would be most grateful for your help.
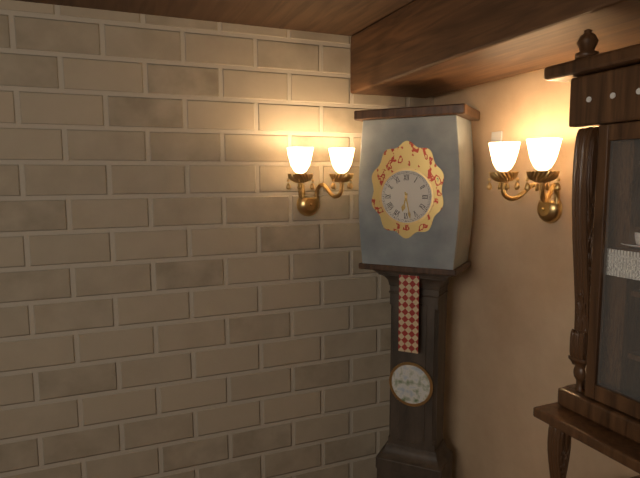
6:28
